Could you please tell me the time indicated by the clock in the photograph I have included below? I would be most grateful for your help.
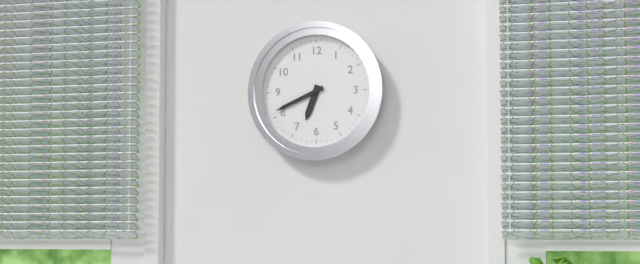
6:41
